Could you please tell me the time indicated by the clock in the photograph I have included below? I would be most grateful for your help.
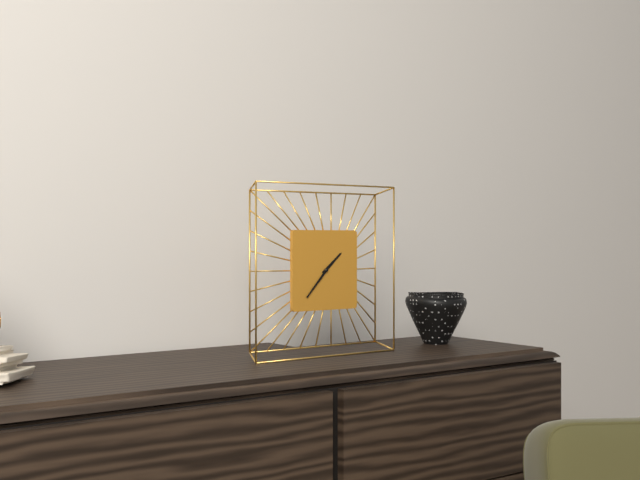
1:37
